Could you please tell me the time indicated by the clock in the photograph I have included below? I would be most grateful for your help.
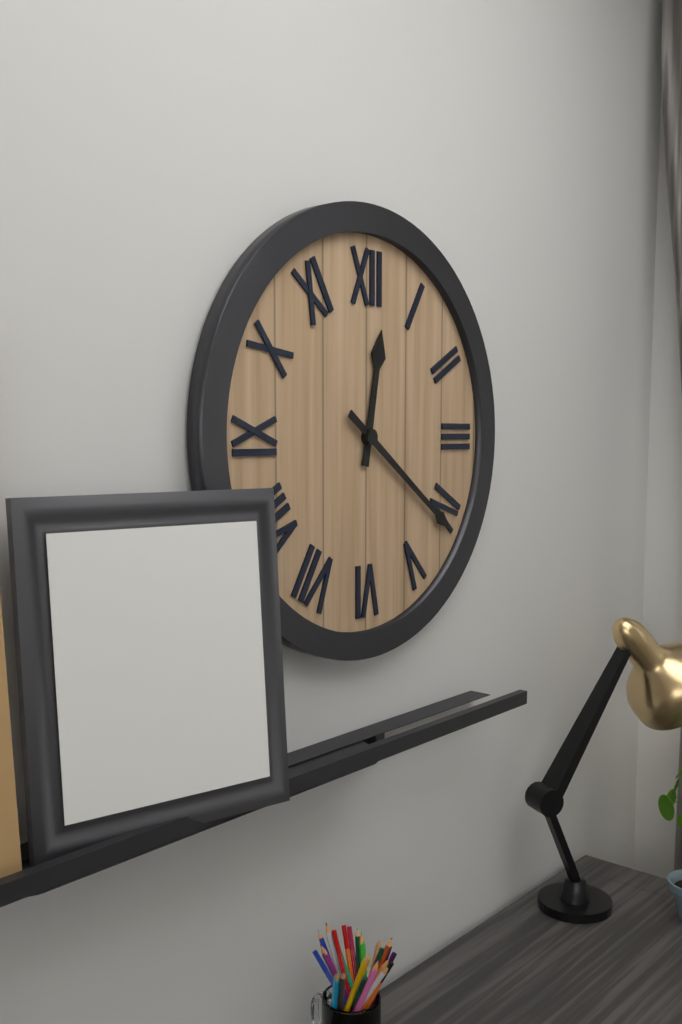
12:21
